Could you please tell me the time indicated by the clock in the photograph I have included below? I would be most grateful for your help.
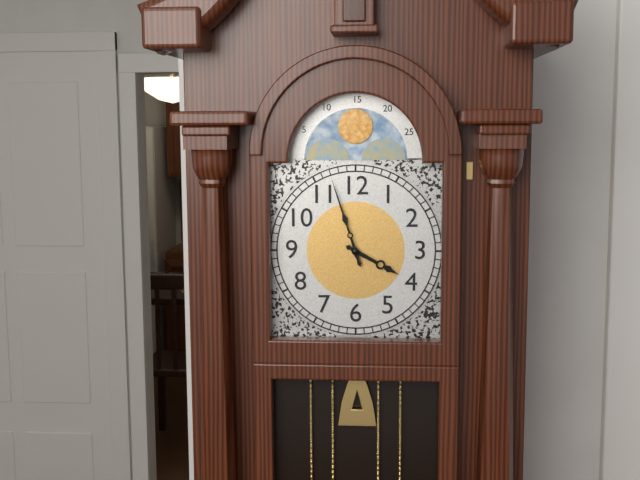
3:57
